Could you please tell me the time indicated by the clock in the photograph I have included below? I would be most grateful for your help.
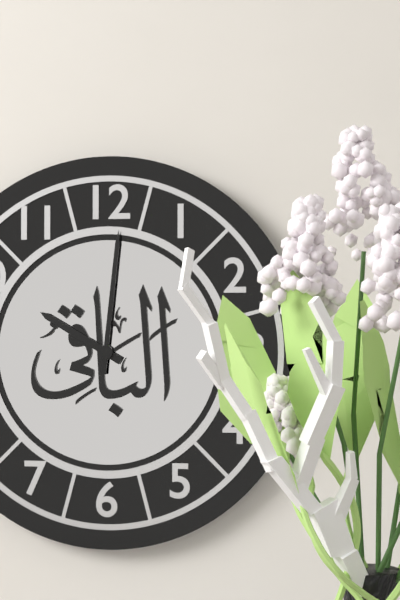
10:01
